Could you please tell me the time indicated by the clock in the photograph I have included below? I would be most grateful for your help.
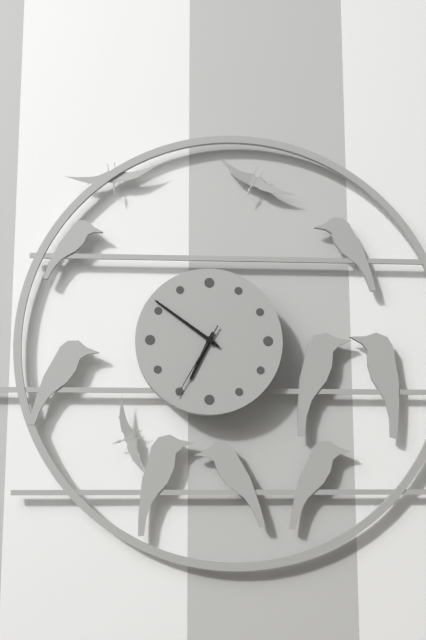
6:51:35
